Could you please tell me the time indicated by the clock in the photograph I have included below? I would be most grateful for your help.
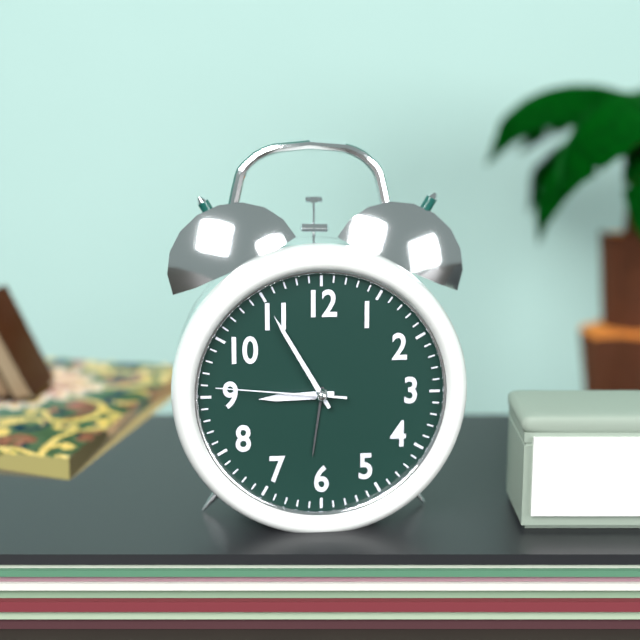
8:55:46
